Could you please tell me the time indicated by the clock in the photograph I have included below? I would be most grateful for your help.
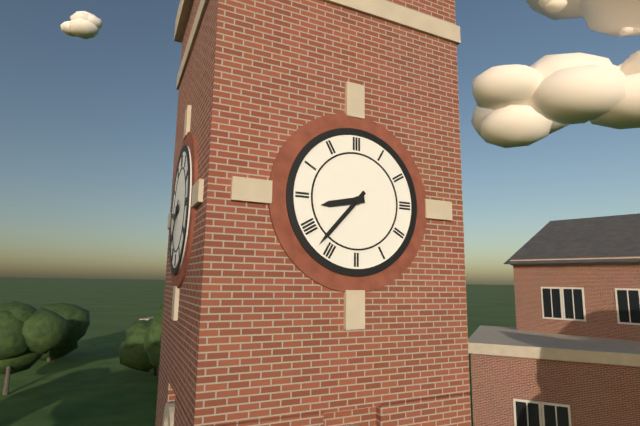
8:37
